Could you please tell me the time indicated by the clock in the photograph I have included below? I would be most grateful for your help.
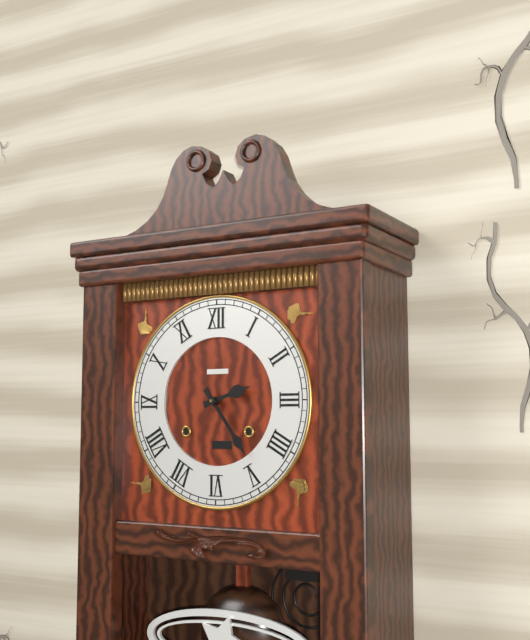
2:24
